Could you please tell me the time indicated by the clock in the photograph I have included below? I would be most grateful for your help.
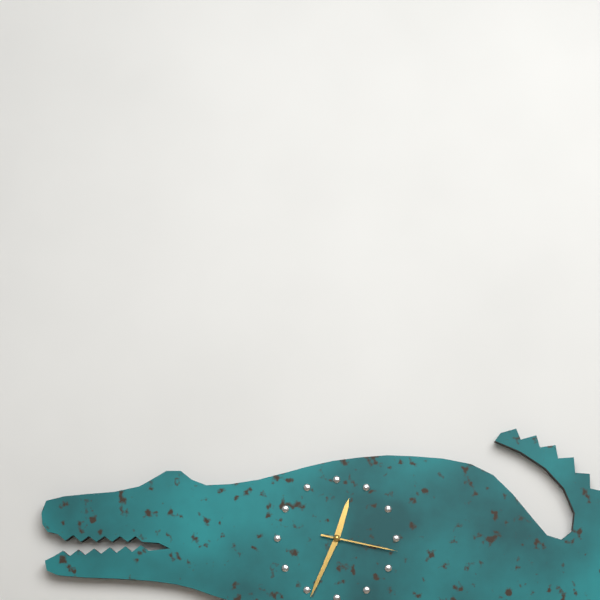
12:34:17
